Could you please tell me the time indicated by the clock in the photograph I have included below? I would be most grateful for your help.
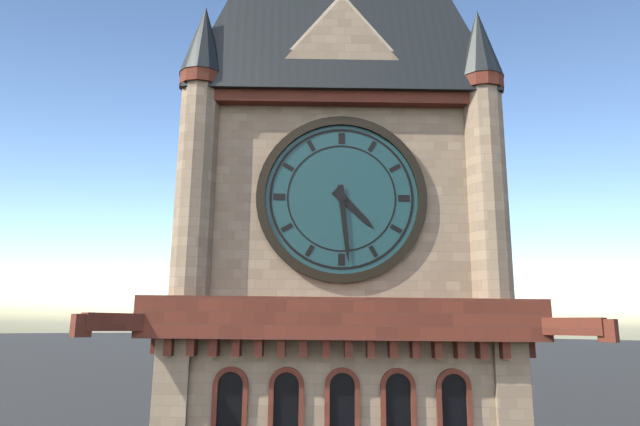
4:29
